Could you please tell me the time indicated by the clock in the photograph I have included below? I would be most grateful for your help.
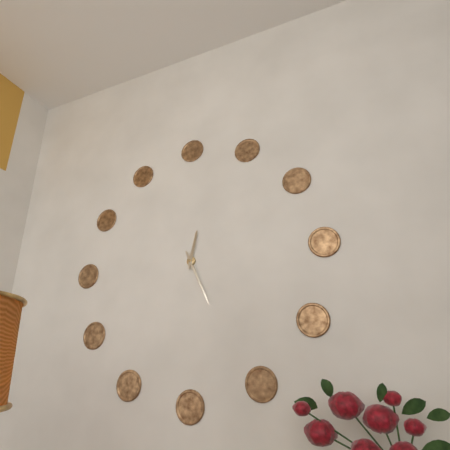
12:26
